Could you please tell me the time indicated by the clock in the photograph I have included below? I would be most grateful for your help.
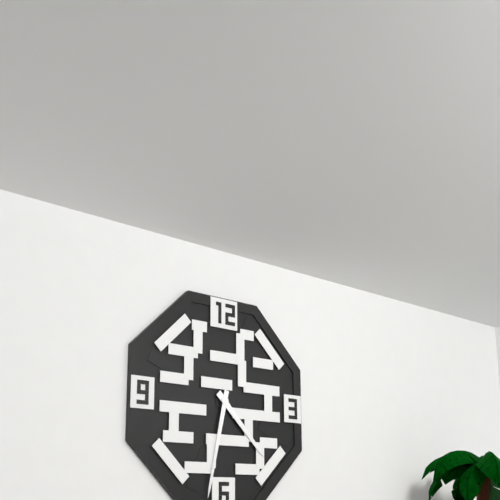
4:32
